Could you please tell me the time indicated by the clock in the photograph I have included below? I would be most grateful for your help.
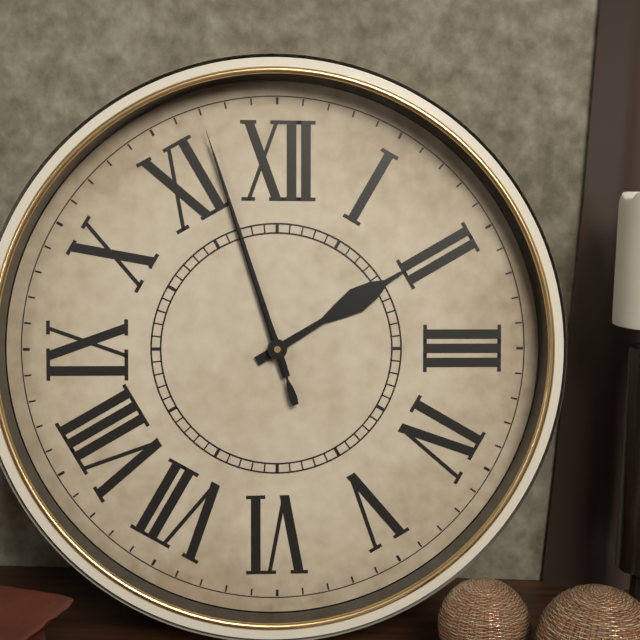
1:57:57
